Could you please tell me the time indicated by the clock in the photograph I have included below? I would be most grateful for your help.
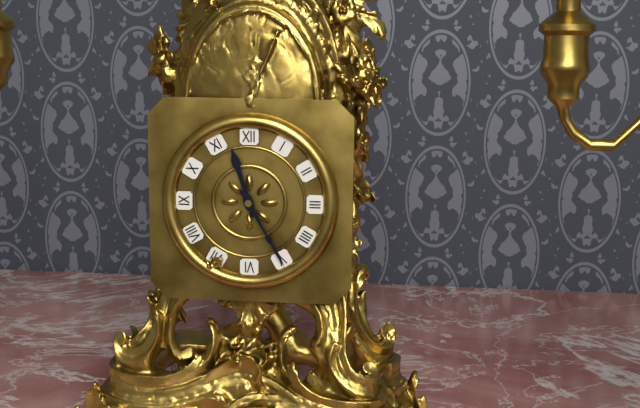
11:25
